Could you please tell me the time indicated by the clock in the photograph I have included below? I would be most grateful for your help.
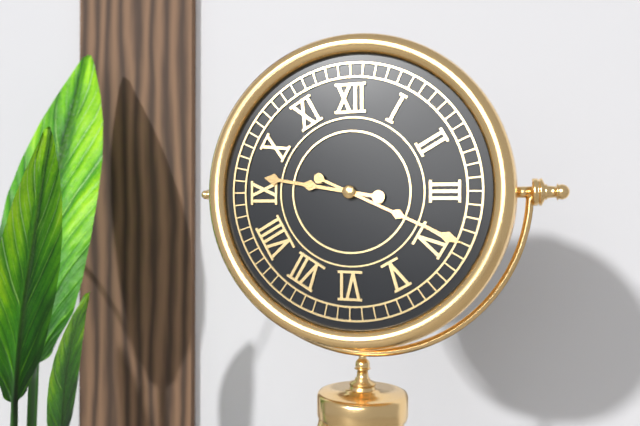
9:19
